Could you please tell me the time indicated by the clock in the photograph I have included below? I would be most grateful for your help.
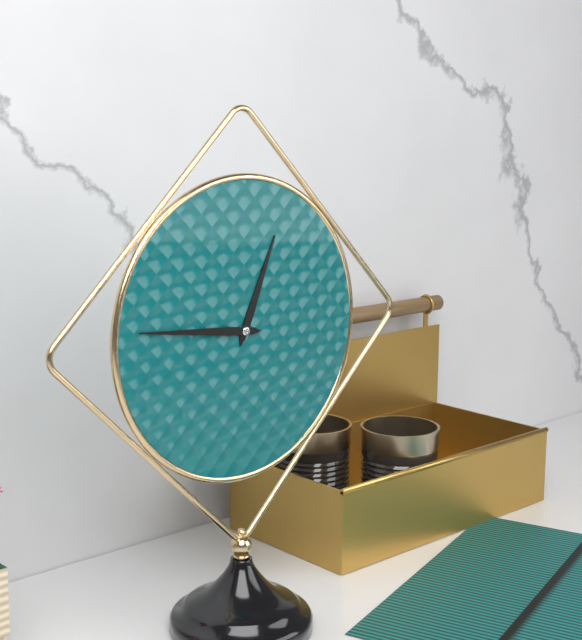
12:46
